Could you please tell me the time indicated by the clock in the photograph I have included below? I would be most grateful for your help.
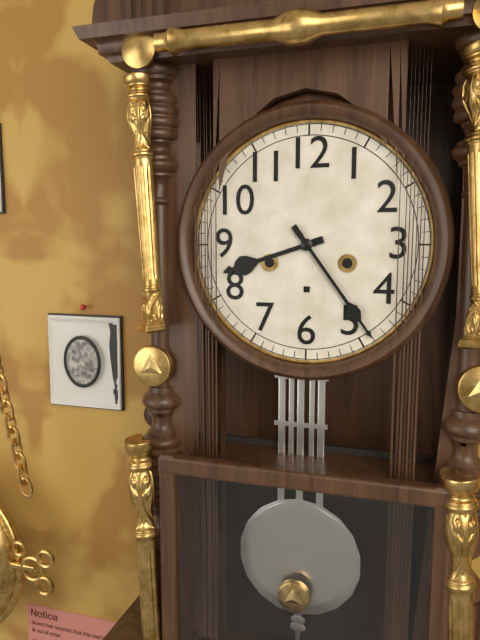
8:24
